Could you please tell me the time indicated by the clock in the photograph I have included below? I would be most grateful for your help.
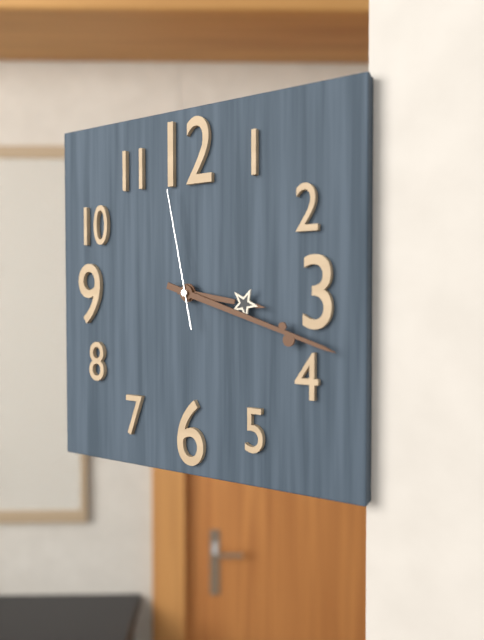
3:18:58
